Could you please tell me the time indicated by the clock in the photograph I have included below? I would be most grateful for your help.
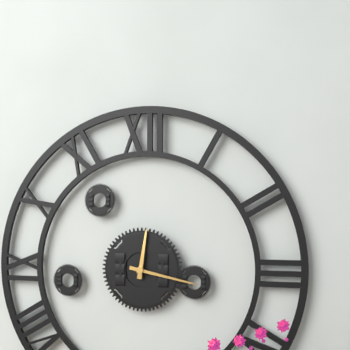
12:17
